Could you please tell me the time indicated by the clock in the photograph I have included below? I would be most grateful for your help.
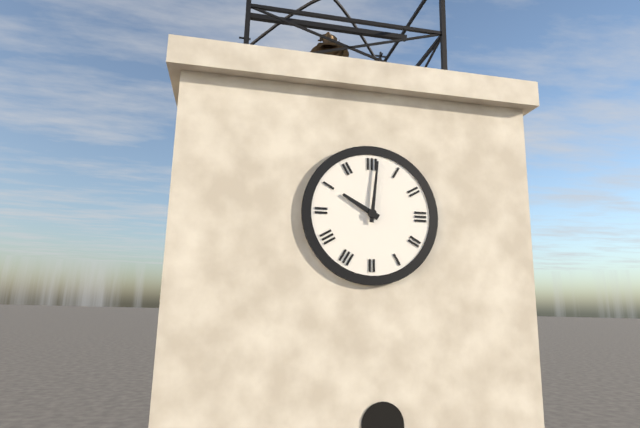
10:01
